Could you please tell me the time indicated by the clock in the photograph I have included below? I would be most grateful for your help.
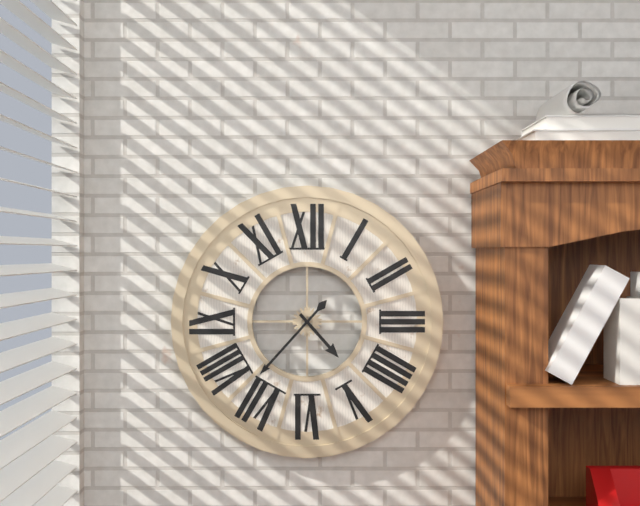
4:37
